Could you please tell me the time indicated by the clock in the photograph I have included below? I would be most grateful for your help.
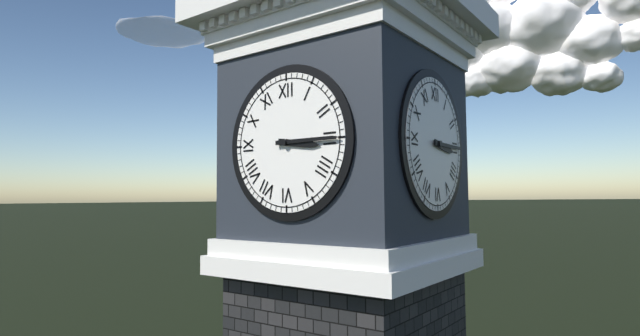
3:15
